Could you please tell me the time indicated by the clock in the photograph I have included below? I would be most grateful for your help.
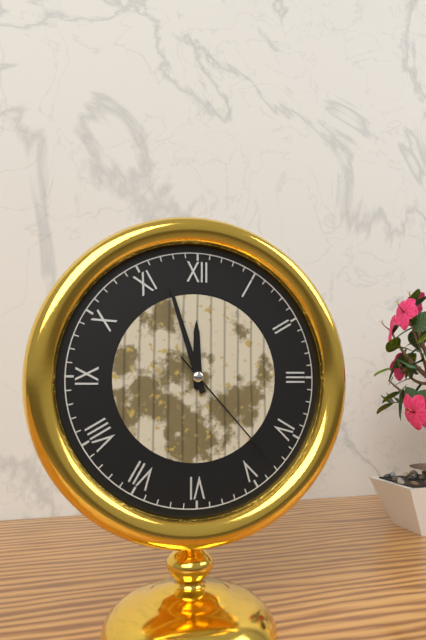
11:57:23
